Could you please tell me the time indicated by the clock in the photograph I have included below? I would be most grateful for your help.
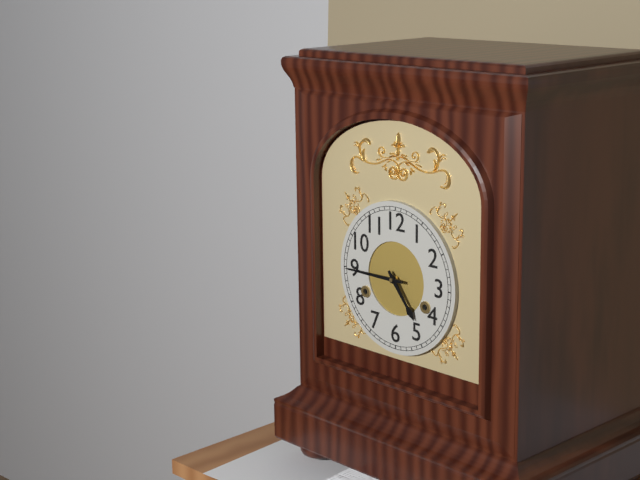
4:45
